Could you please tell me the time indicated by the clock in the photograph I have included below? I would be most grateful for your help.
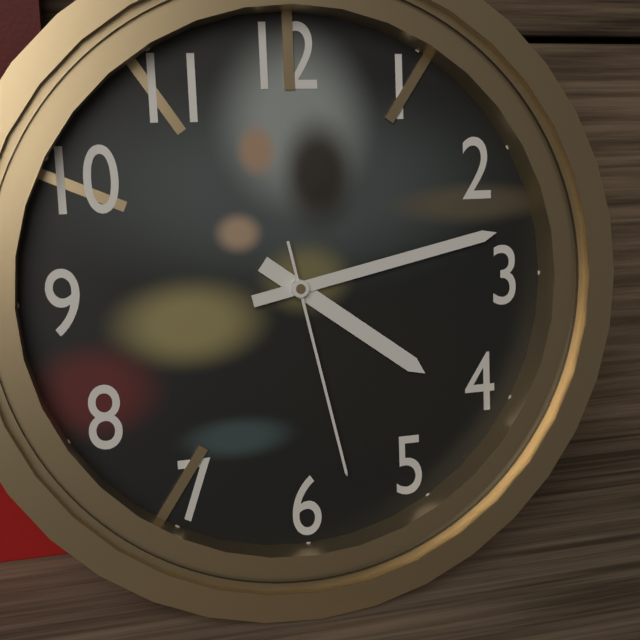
4:13:28
